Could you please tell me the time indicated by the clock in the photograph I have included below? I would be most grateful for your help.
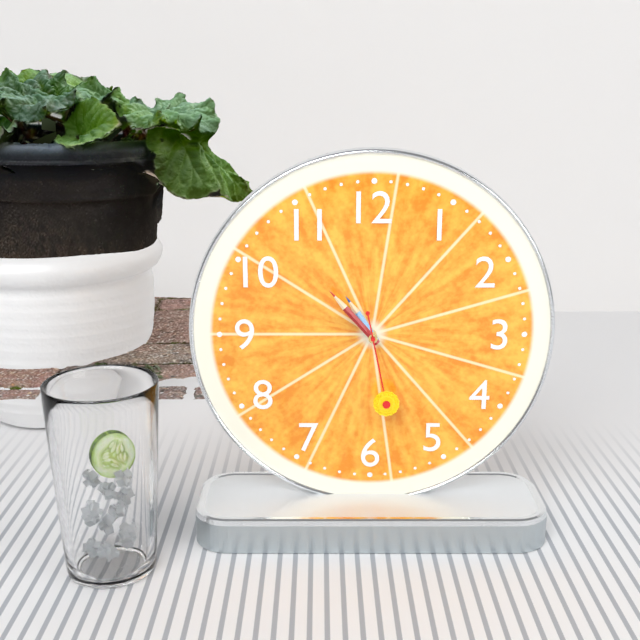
10:53:28
